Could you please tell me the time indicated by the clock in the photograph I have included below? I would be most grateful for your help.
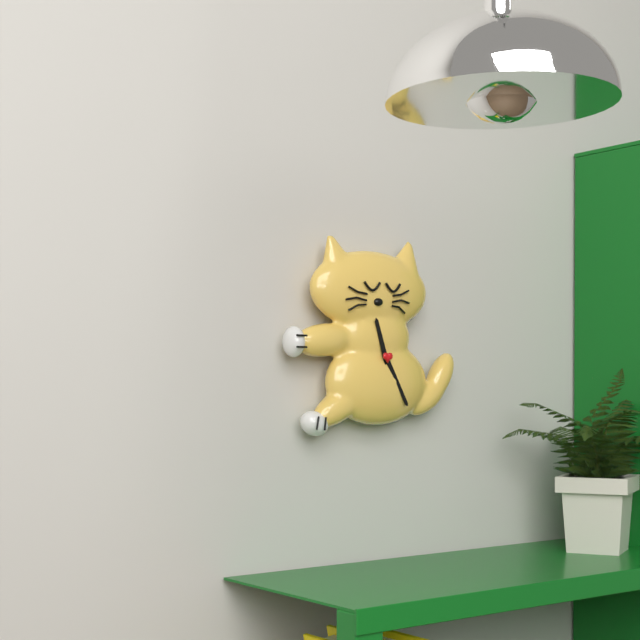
11:25
